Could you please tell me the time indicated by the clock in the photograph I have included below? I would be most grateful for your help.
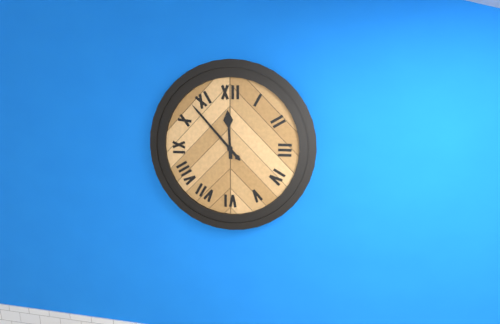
11:53
